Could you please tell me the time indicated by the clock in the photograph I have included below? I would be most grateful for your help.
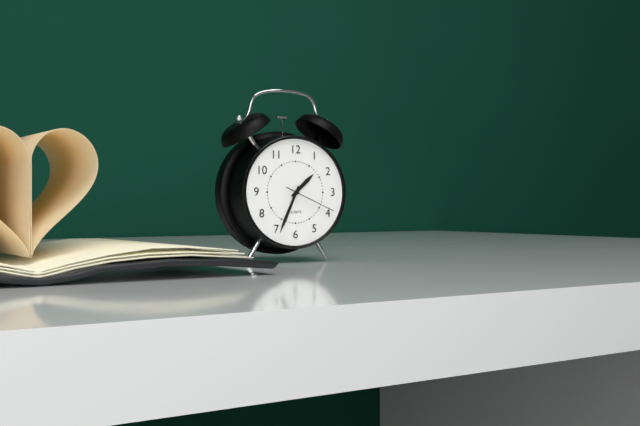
1:34:19
